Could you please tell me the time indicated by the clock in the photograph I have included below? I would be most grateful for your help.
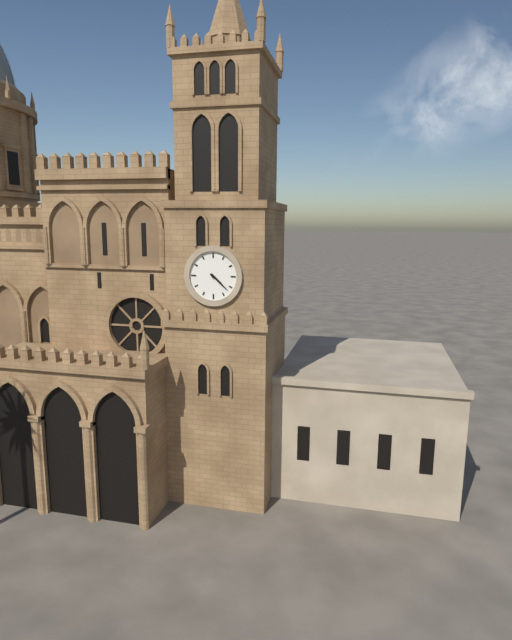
4:22
